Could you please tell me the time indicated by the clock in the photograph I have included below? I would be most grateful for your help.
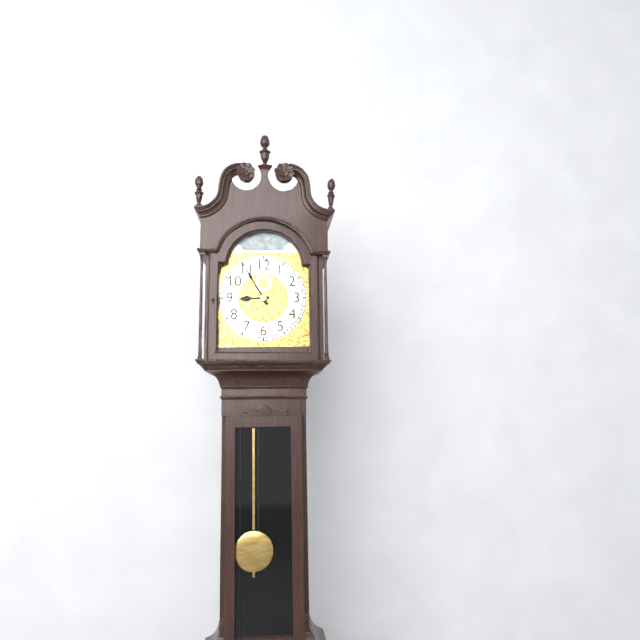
8:55
